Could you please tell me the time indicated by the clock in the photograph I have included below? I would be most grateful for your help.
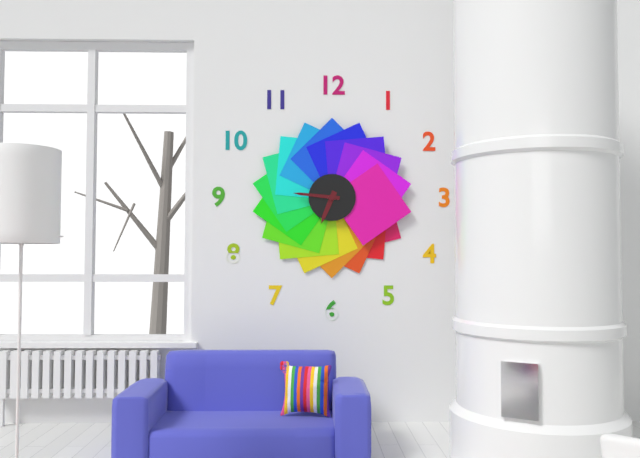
6:46
